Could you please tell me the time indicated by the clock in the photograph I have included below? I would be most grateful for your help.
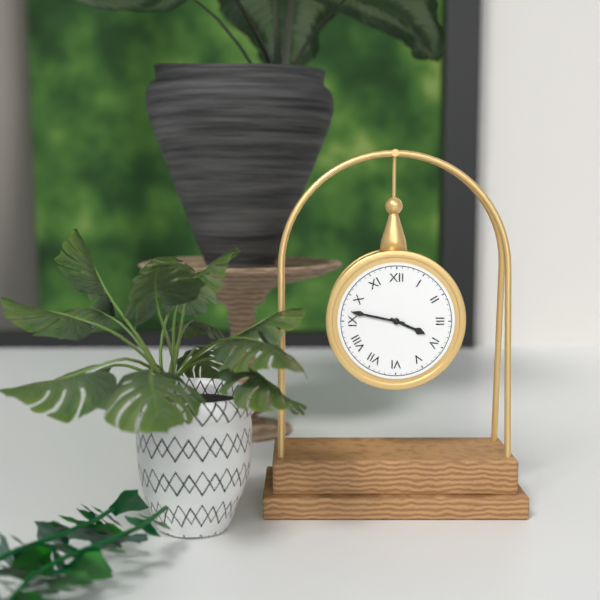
3:47
